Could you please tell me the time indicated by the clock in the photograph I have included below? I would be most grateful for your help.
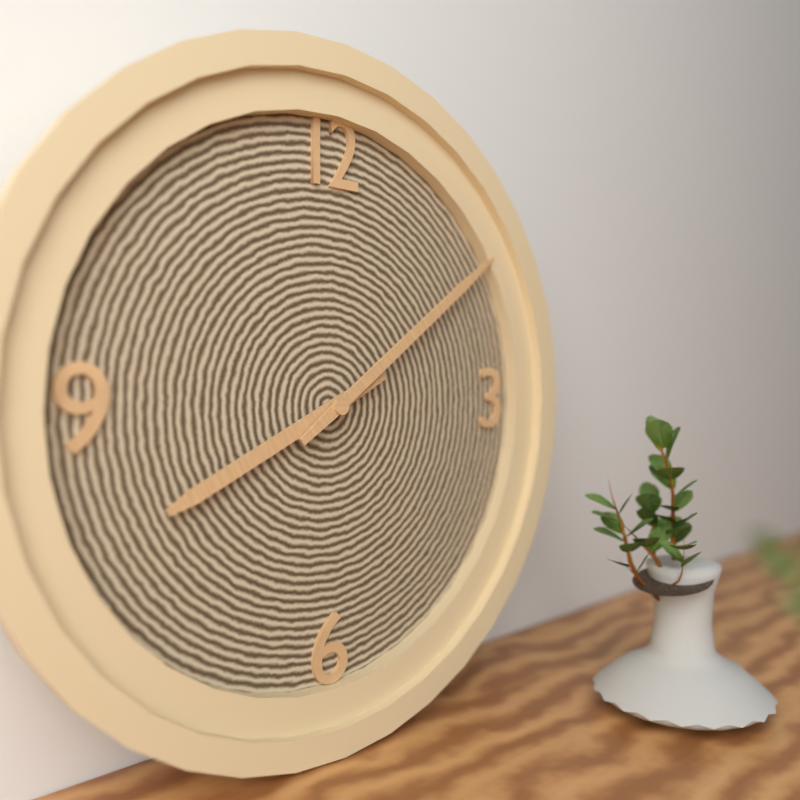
8:09
